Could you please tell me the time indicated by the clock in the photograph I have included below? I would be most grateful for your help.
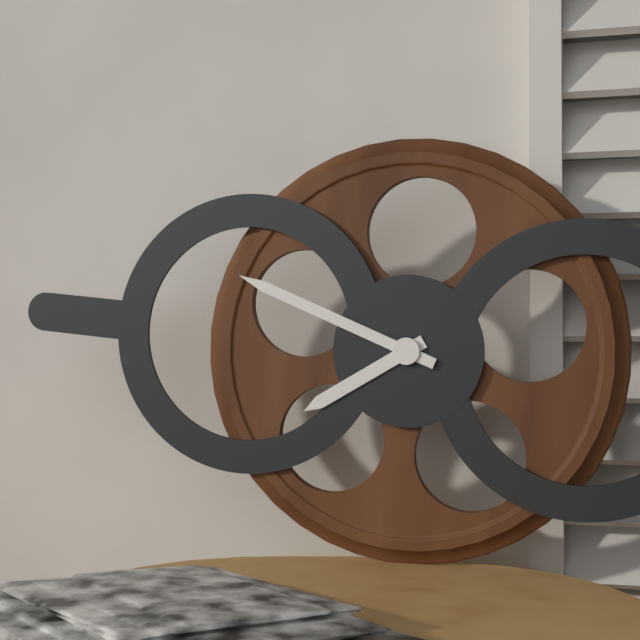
7:48
